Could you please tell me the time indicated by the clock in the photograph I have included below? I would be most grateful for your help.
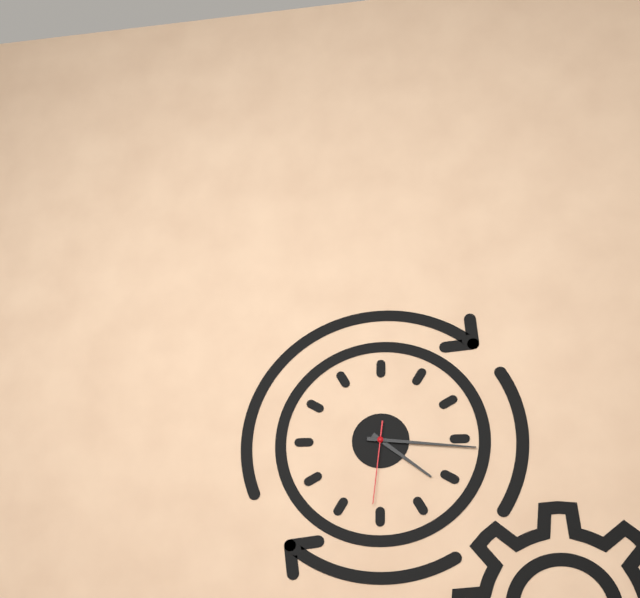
4:16:31
